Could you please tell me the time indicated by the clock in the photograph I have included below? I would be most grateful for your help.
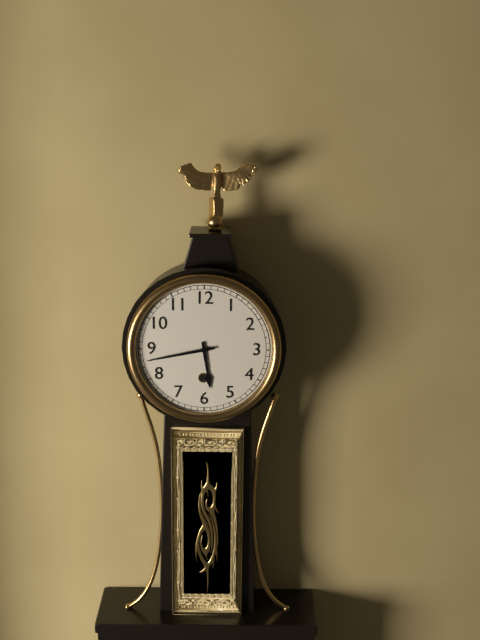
5:43
